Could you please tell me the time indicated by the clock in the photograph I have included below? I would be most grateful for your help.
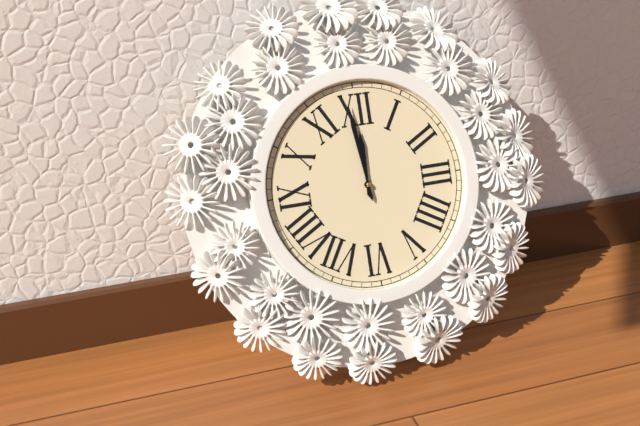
11:59
